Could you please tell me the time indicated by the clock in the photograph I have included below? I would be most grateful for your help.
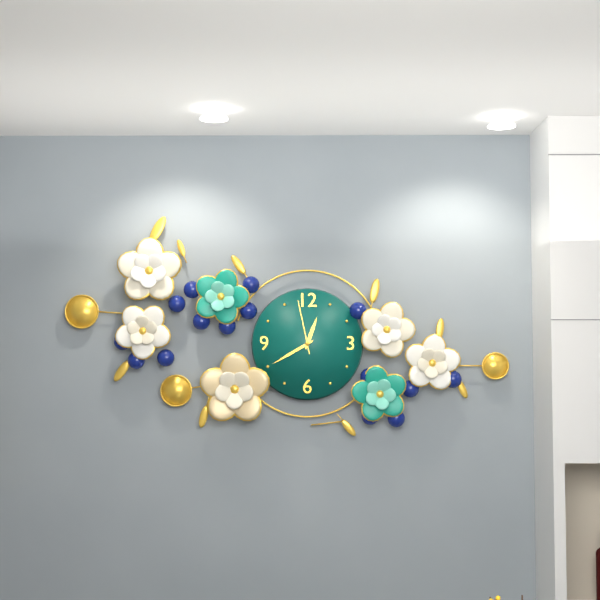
12:40:58
